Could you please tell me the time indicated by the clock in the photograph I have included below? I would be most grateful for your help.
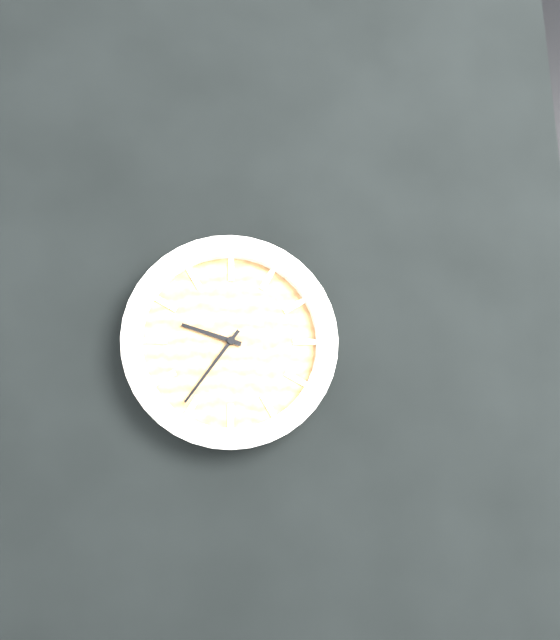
9:36
